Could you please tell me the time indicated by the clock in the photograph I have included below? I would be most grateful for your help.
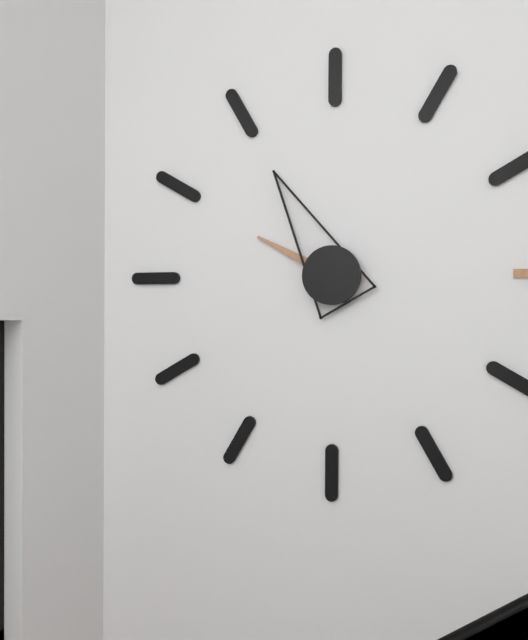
9:55
